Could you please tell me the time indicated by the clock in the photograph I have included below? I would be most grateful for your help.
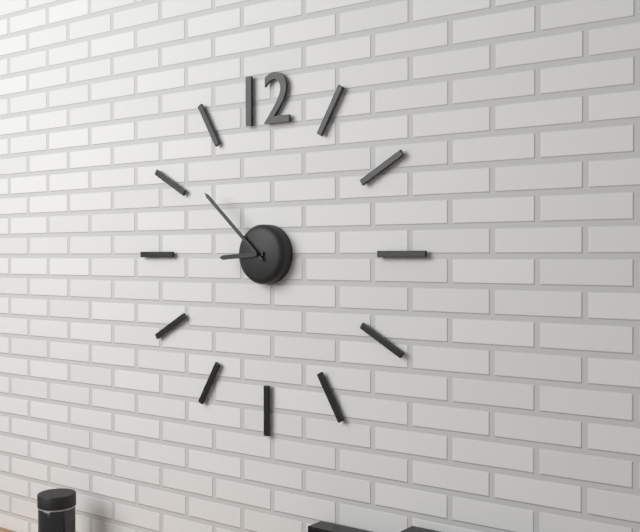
8:52
